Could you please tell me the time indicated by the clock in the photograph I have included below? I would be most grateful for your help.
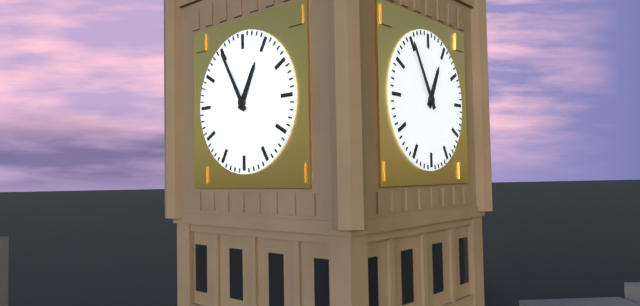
12:55
